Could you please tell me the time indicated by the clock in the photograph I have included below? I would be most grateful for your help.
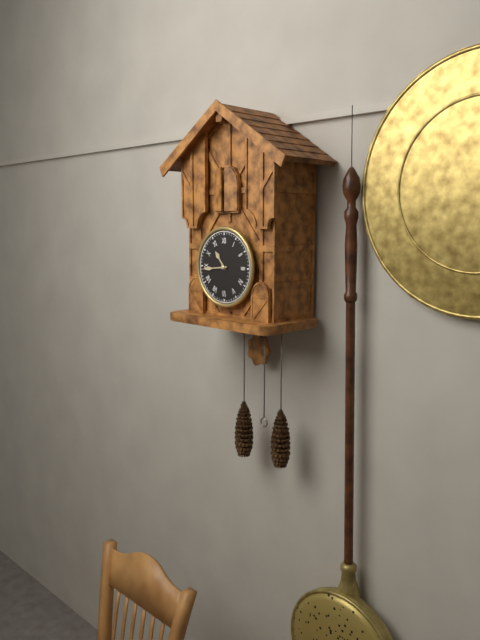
10:44
